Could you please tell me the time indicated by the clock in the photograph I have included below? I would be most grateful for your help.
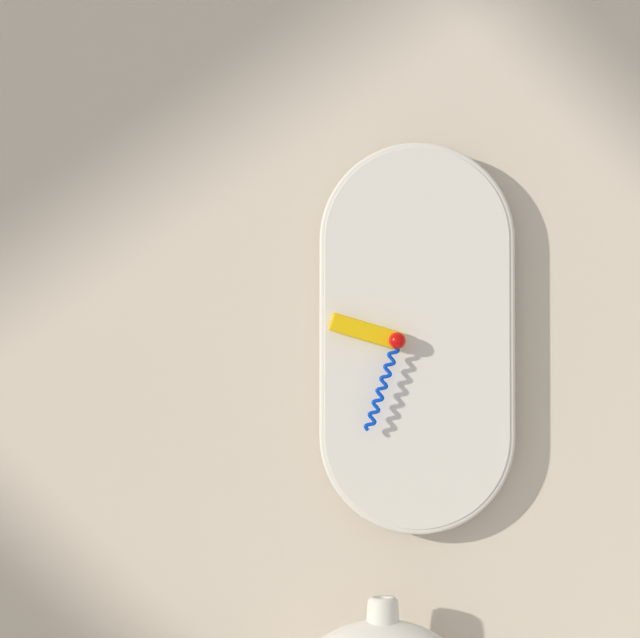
9:33
